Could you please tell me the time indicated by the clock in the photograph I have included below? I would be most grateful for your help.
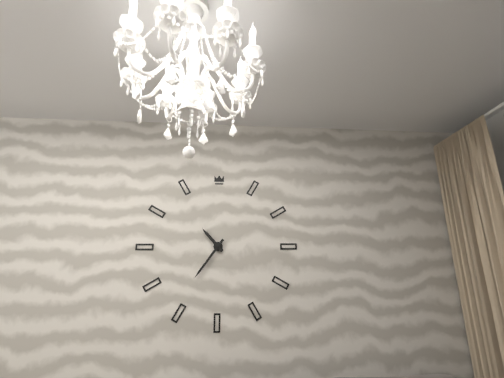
10:36
